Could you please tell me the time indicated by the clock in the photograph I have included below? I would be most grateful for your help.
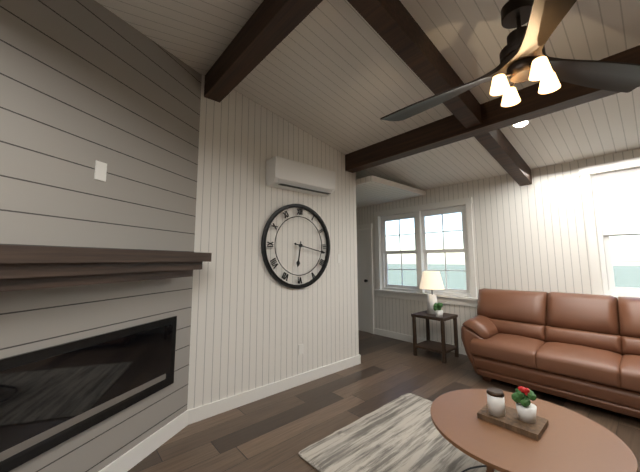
6:17
